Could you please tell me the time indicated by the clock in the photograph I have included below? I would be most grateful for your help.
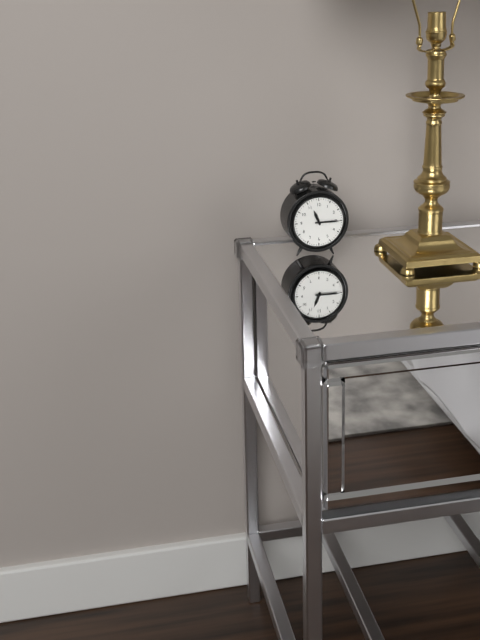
11:15
